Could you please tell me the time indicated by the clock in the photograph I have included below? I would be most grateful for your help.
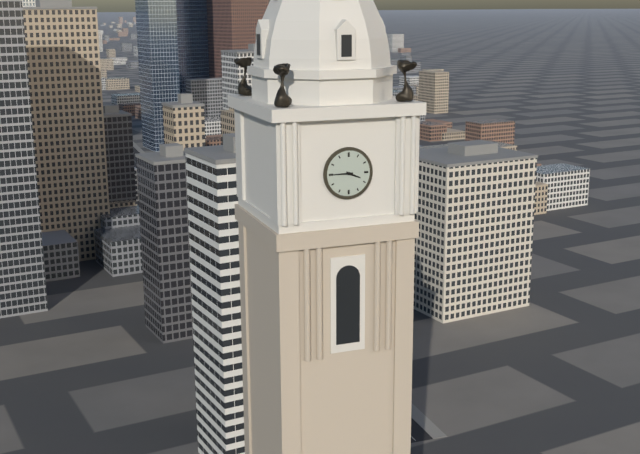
3:45
